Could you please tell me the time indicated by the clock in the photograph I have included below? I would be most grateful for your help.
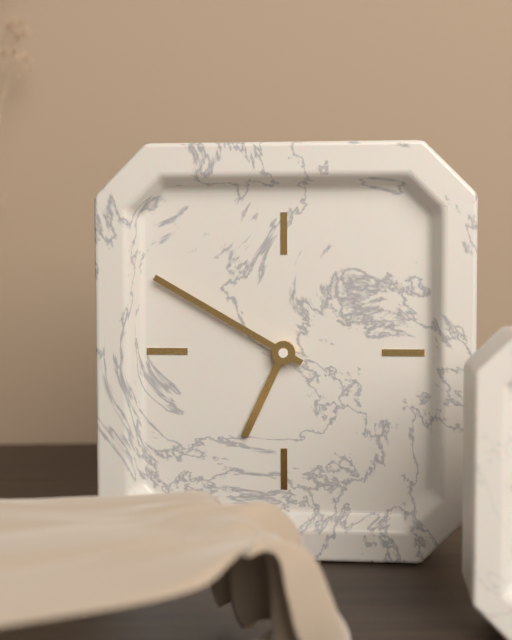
6:50
